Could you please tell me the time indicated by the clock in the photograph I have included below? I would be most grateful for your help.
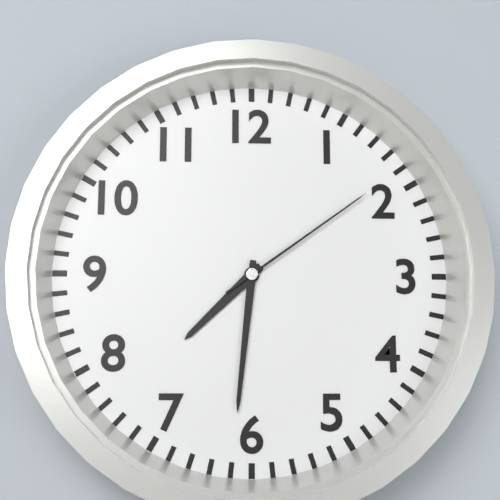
7:31:09
